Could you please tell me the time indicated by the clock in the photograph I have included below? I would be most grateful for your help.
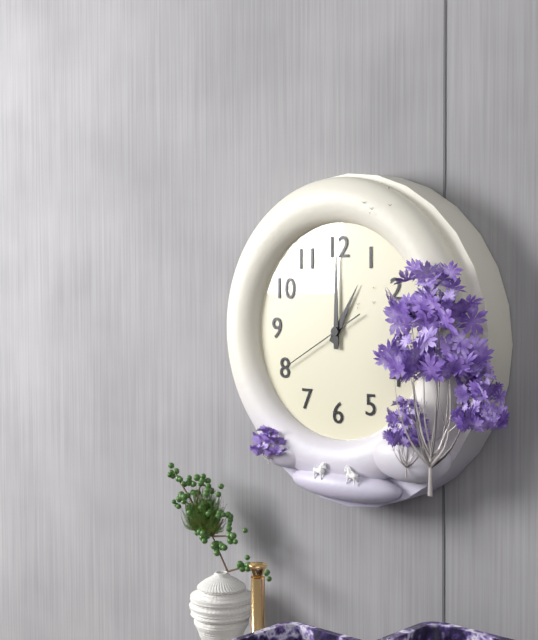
1:00:40
